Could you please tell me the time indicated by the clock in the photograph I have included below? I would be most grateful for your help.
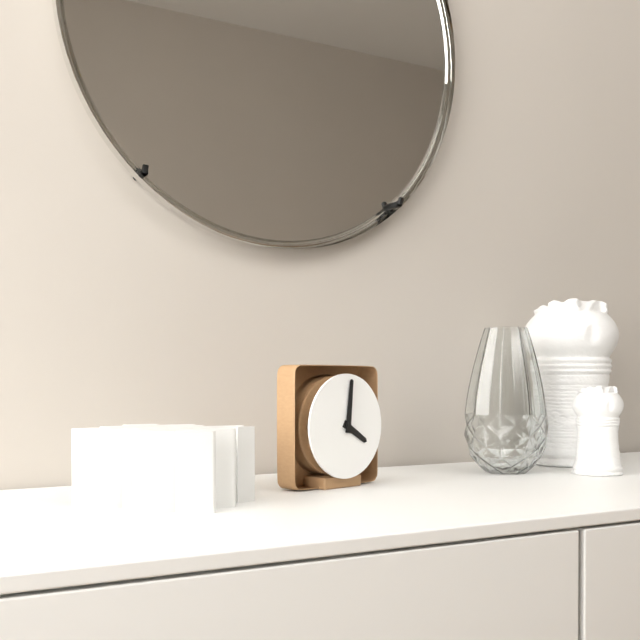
4:01
